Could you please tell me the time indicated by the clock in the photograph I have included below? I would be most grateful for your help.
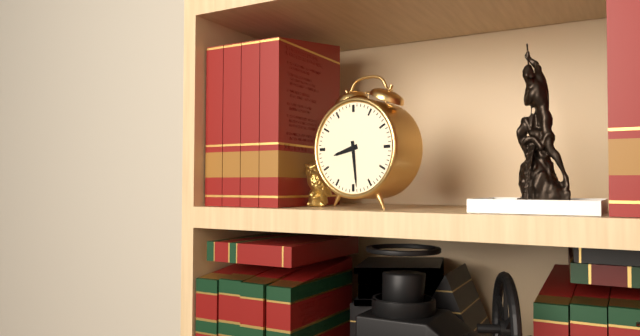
8:29
